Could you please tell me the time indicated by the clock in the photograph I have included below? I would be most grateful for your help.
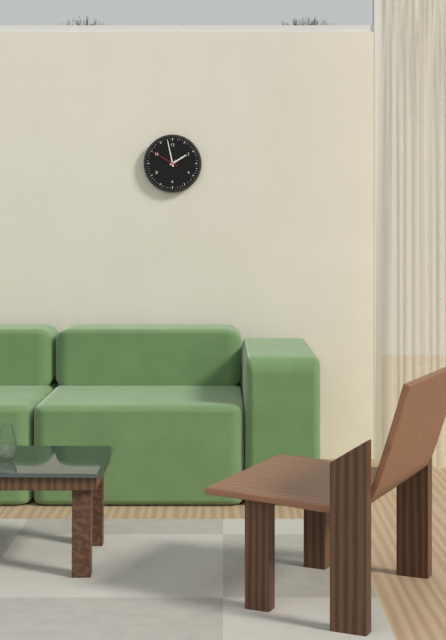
1:58
